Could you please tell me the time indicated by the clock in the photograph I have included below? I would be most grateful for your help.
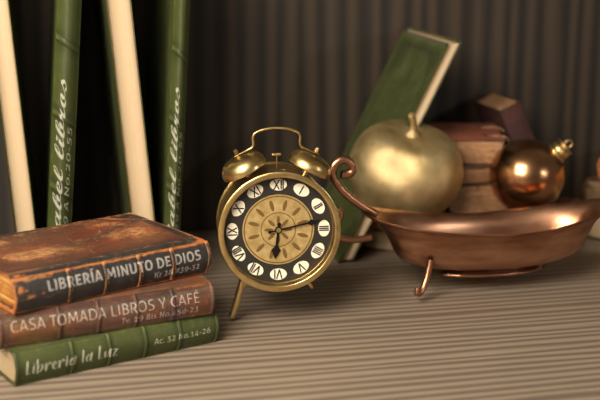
6:13
